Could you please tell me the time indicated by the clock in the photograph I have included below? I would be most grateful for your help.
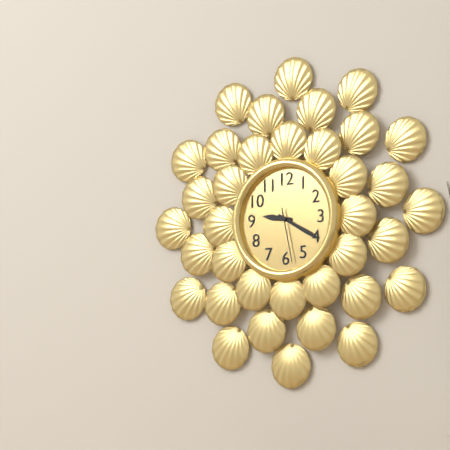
9:20:28
